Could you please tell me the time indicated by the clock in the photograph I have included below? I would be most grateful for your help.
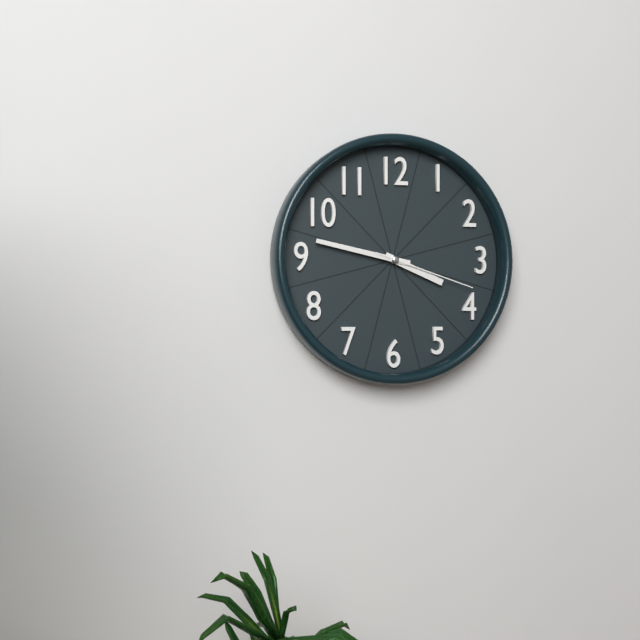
3:47:18
